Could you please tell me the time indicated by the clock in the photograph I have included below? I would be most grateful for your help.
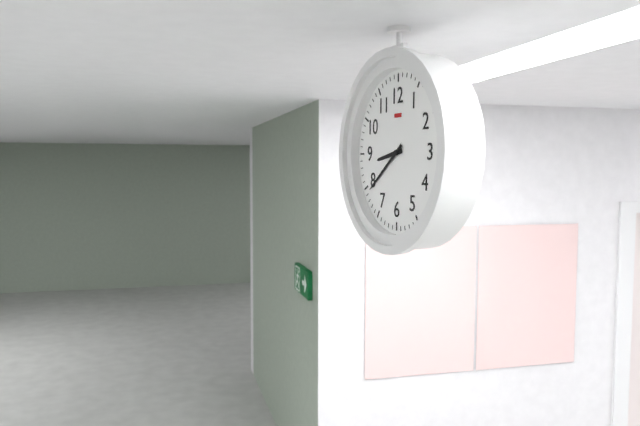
8:39
